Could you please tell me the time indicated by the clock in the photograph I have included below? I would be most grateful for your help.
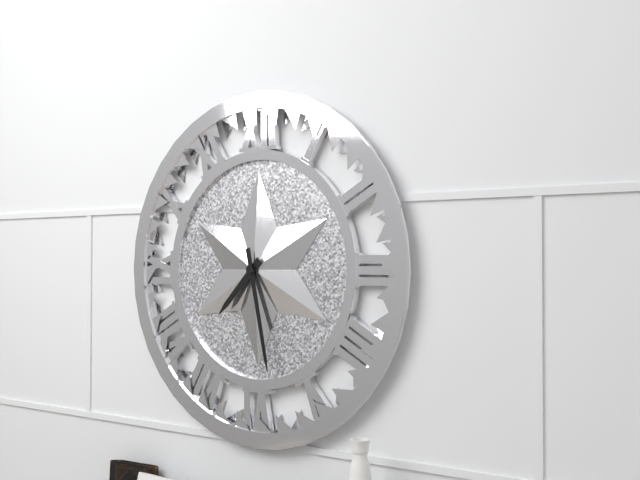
7:28
